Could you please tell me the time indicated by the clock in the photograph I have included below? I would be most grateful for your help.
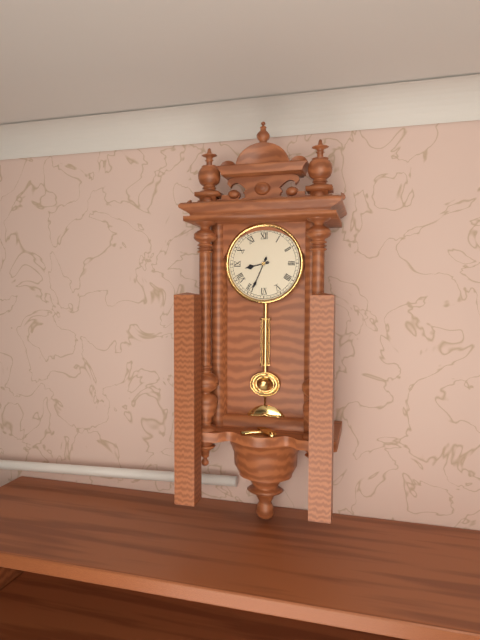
8:34
